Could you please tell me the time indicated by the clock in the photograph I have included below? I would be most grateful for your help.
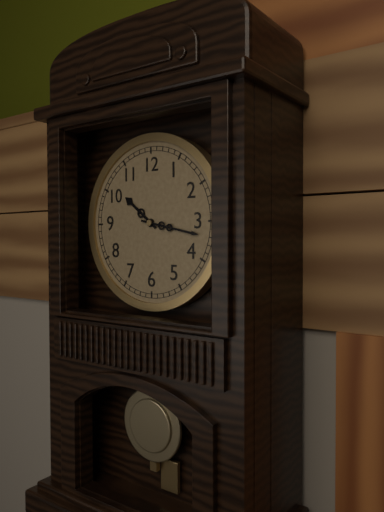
10:17
